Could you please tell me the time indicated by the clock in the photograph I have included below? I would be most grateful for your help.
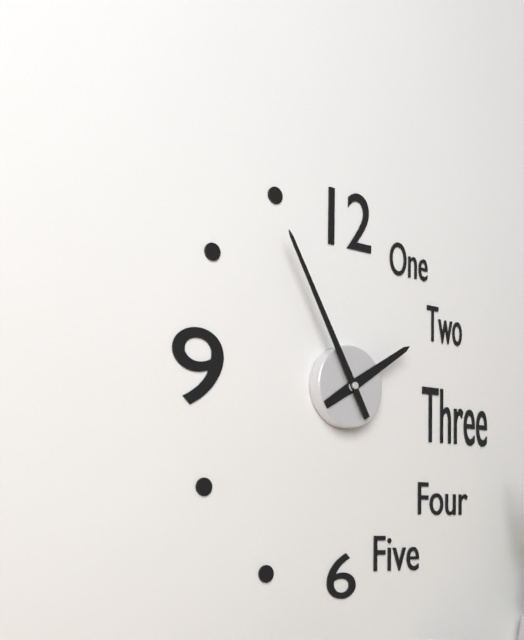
1:55
